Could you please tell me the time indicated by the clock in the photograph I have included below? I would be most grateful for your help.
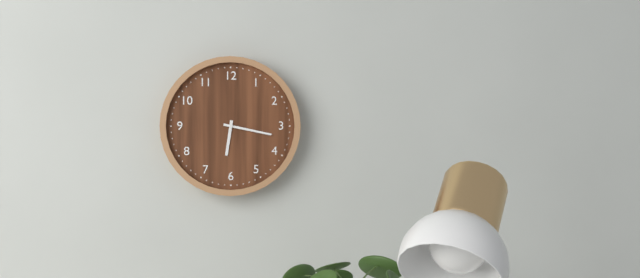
6:17
